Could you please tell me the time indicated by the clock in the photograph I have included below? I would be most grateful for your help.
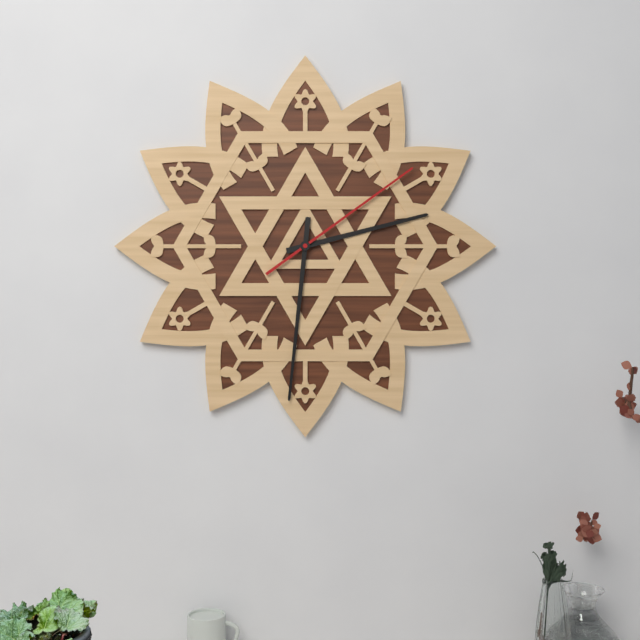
2:31:09
